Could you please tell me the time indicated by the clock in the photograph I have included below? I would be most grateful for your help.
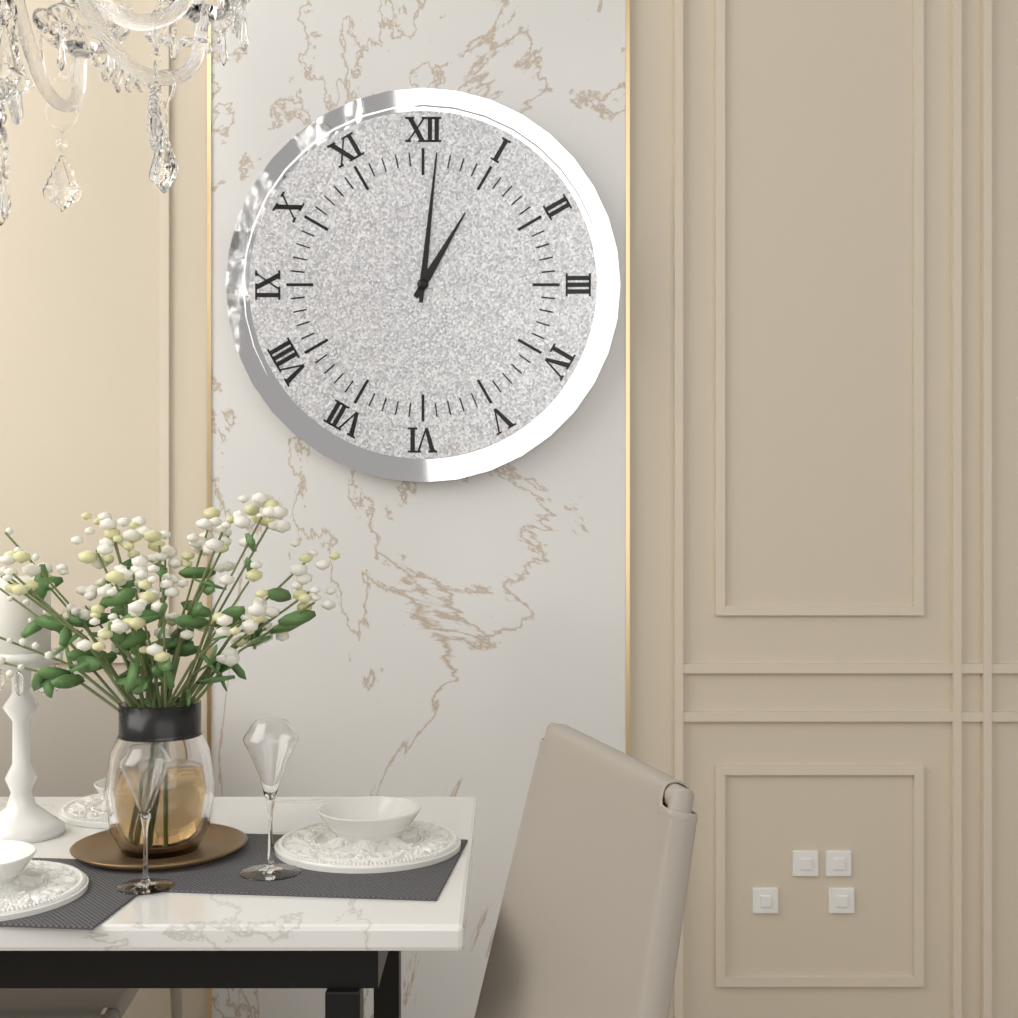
1:01
